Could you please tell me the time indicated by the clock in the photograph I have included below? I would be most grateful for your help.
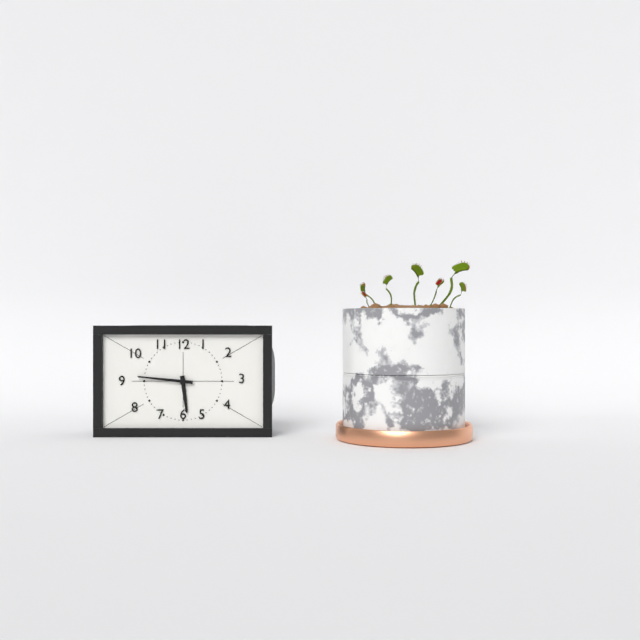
5:46
